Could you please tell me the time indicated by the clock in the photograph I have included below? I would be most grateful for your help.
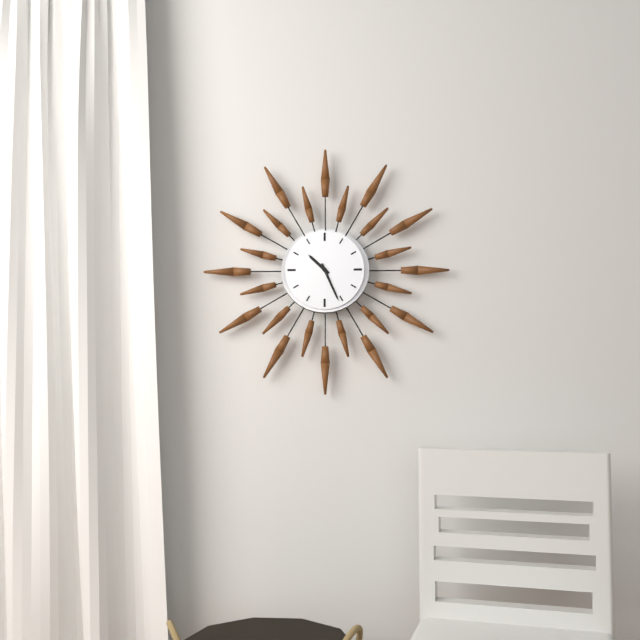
10:26
